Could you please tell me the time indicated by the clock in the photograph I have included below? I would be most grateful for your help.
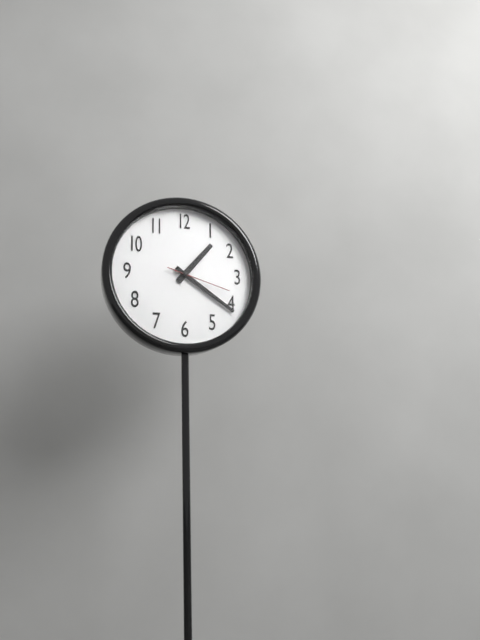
1:21:18
